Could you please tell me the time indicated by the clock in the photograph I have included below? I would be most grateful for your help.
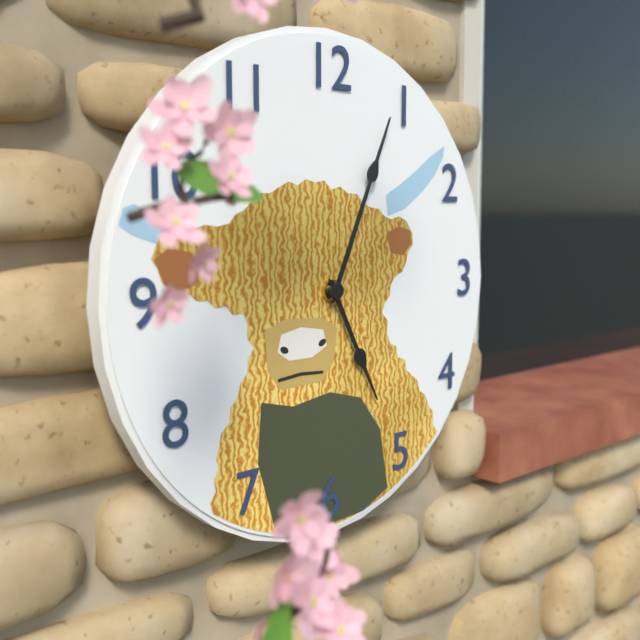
5:04
